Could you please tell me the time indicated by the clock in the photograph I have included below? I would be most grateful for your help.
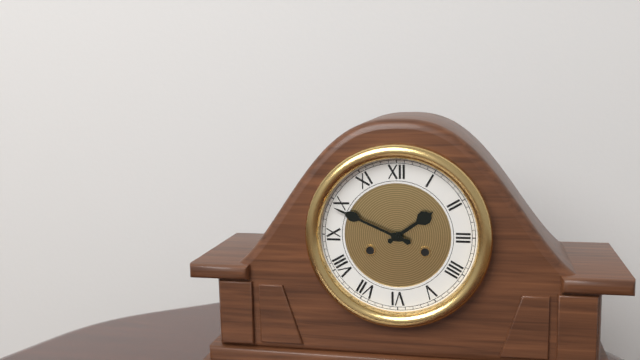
1:49
